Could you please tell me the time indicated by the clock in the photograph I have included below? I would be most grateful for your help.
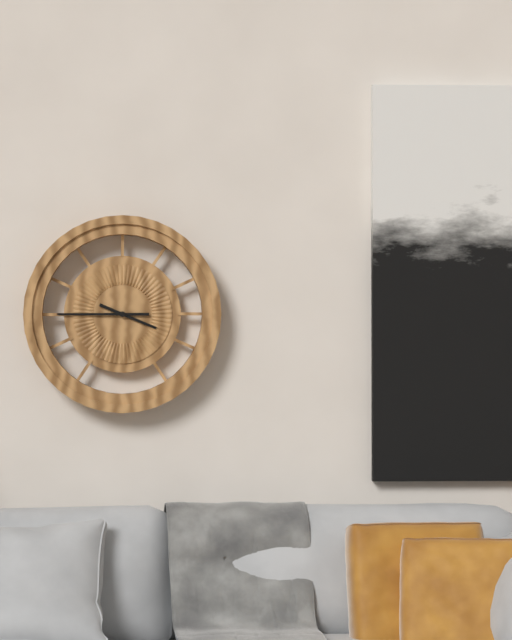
3:45
